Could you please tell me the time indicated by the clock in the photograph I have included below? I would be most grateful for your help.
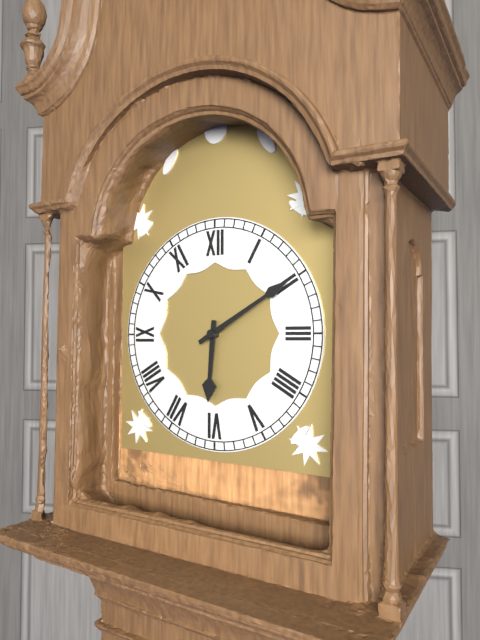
6:10
